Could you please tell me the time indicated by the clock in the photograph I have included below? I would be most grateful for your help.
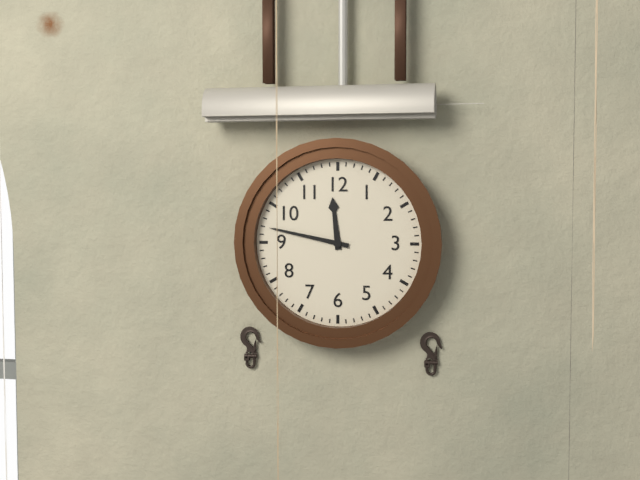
11:47
